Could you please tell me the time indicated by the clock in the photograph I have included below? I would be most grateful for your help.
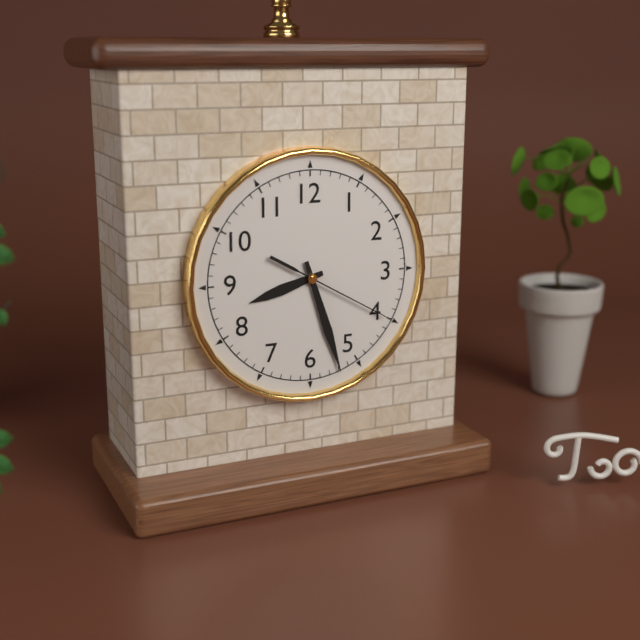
8:27:20
